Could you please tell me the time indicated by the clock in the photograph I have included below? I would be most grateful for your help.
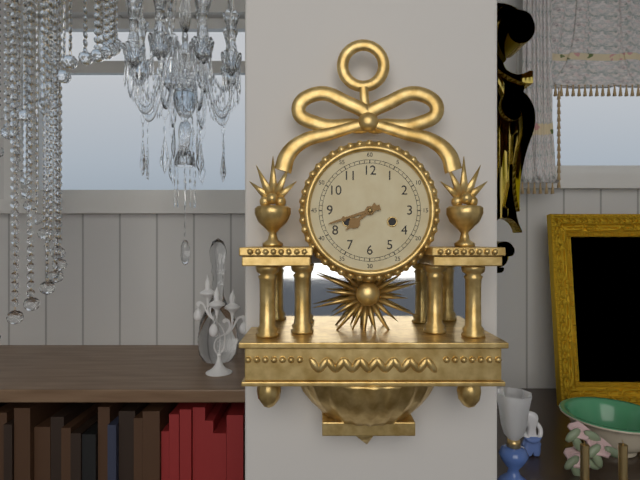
7:42
